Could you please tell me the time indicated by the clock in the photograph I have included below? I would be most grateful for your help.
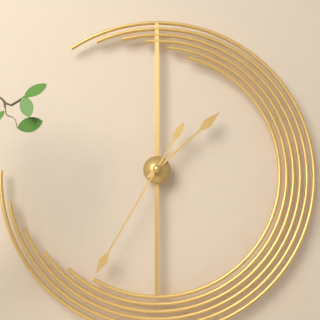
1:35
